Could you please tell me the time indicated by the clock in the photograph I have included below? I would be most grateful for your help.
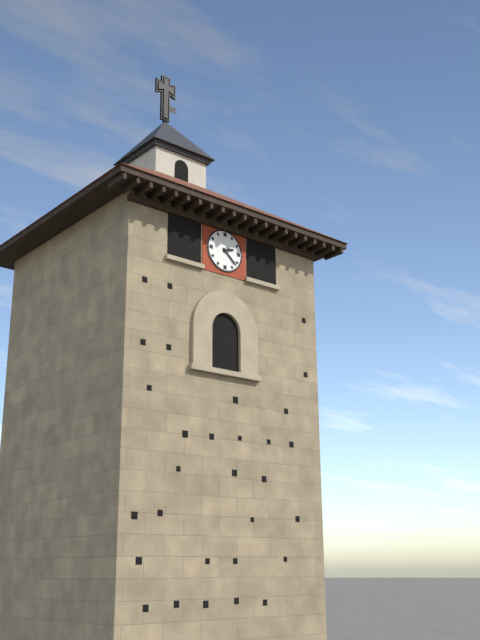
2:22
